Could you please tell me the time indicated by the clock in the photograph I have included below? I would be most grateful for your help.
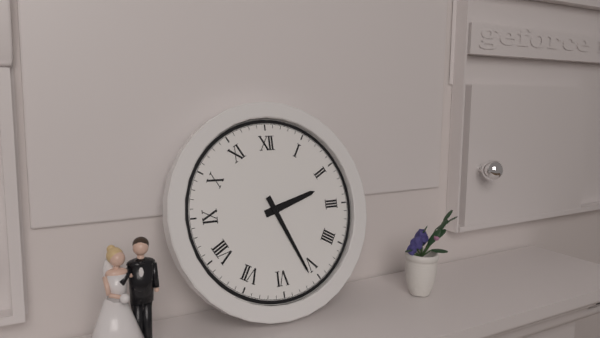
2:26
